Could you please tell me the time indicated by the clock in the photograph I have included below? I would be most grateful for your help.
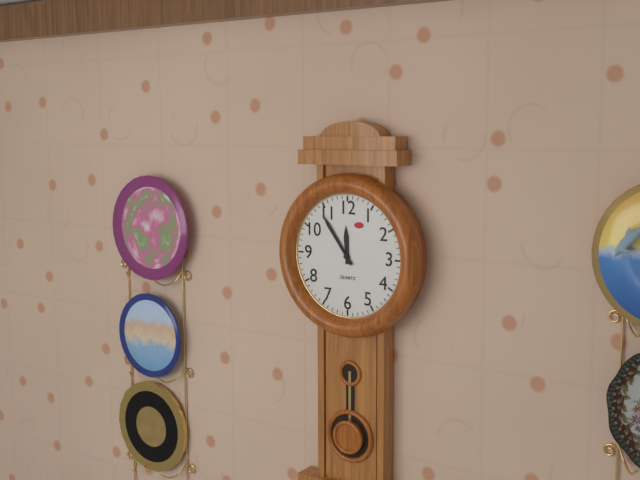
11:54
